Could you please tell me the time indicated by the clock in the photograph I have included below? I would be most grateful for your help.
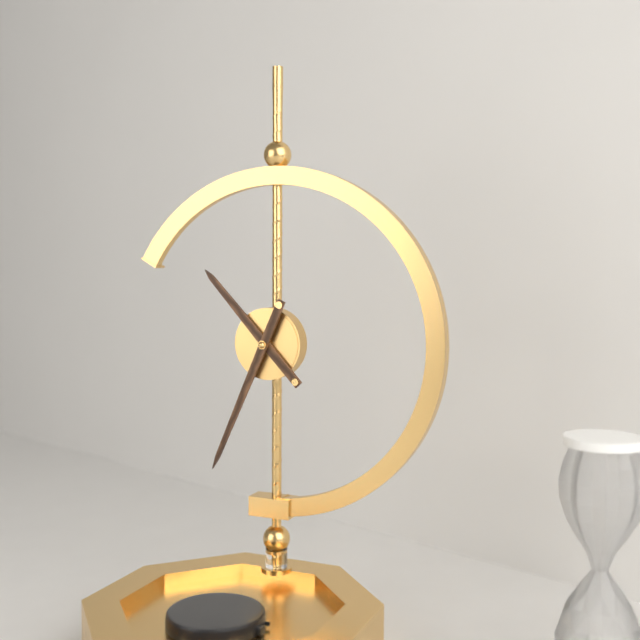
10:34
